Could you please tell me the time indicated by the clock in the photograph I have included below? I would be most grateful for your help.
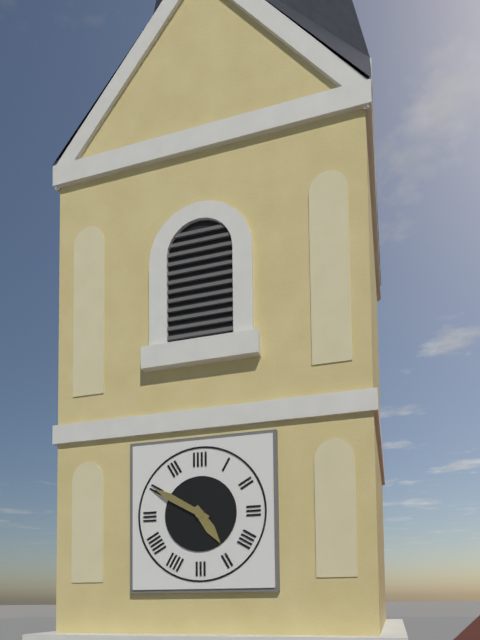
4:50
